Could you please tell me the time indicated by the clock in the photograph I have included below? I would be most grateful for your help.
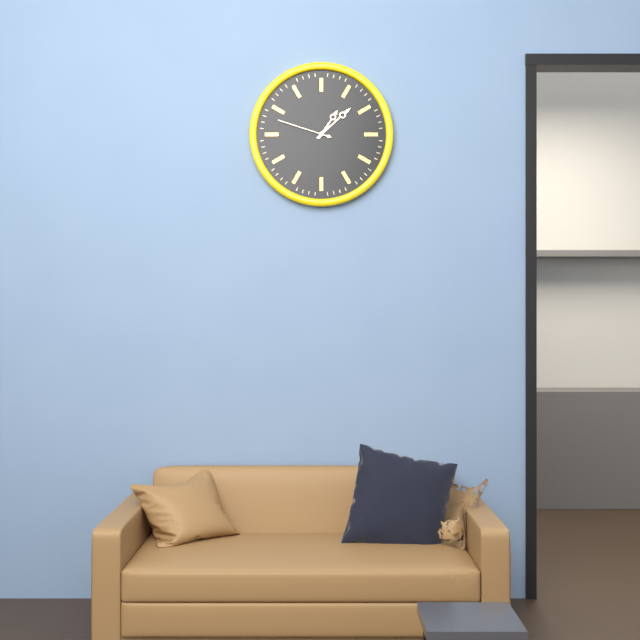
1:08:48
